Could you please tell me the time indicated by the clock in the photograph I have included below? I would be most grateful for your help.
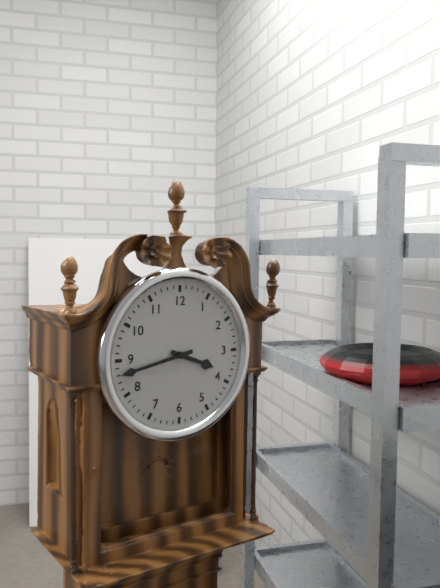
3:43
